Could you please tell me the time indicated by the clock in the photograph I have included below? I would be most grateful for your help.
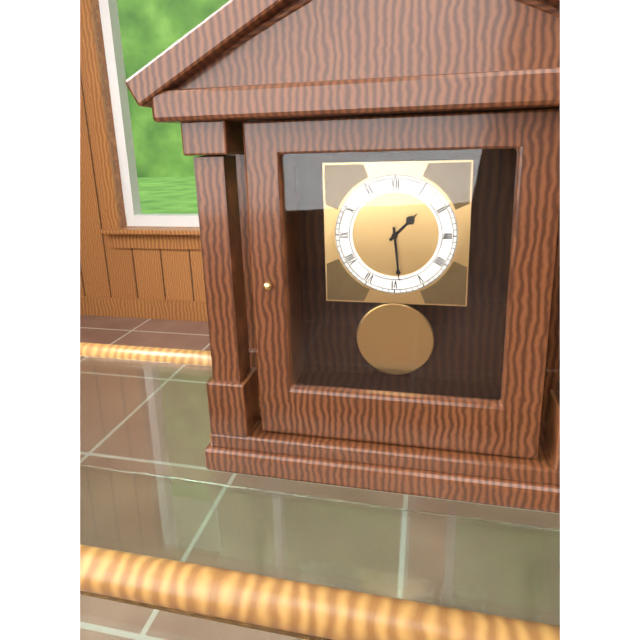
1:29
